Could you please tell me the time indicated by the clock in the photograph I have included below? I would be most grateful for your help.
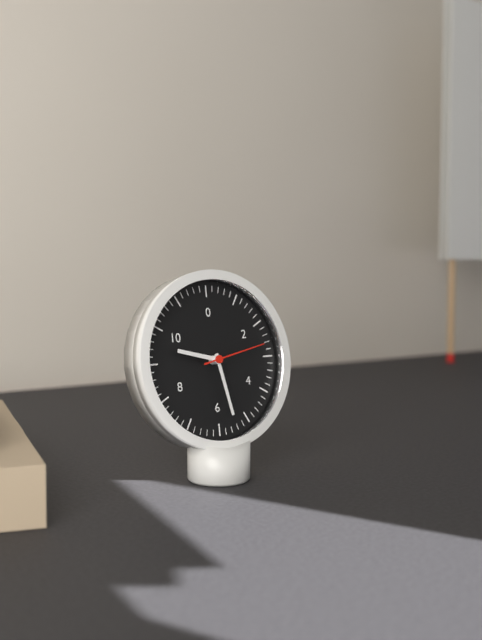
9:28:13
